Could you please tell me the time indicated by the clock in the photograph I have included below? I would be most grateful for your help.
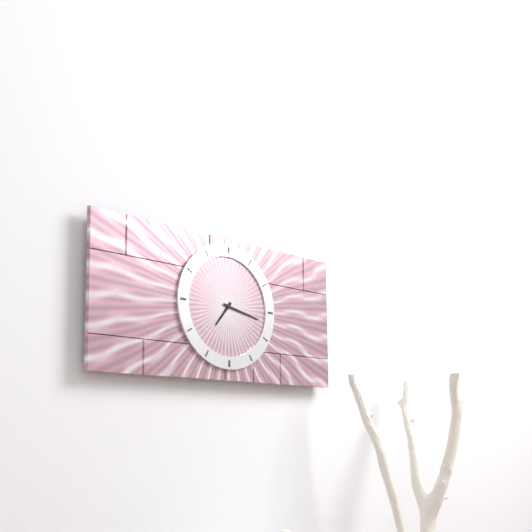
7:17
